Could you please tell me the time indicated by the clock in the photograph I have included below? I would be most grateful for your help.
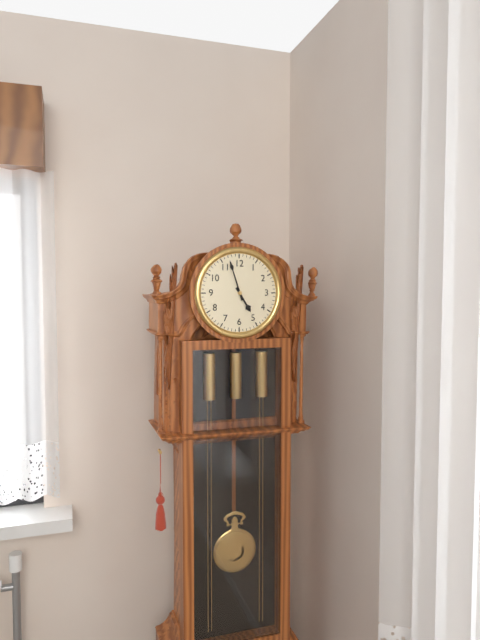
4:57
